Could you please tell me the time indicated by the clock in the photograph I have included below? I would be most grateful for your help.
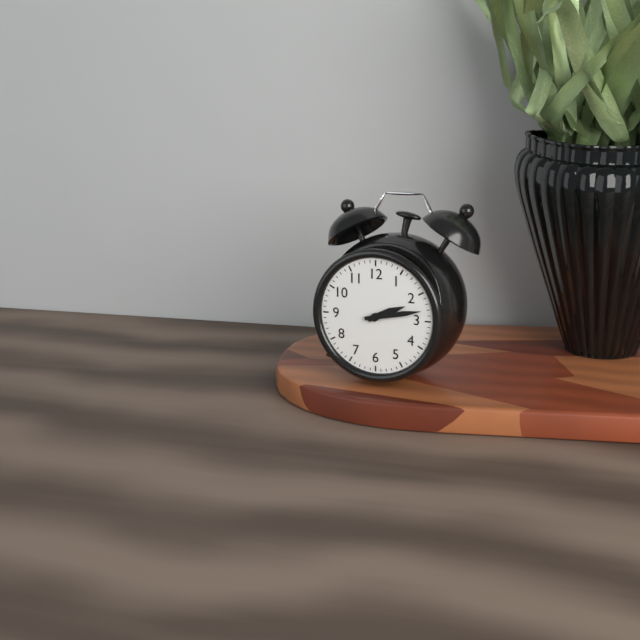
2:13
